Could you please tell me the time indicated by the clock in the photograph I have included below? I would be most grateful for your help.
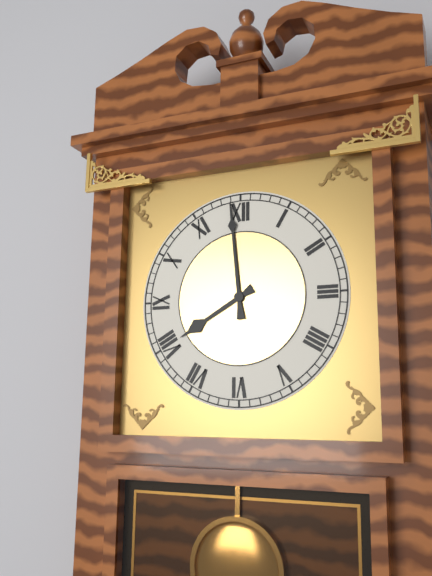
7:59
